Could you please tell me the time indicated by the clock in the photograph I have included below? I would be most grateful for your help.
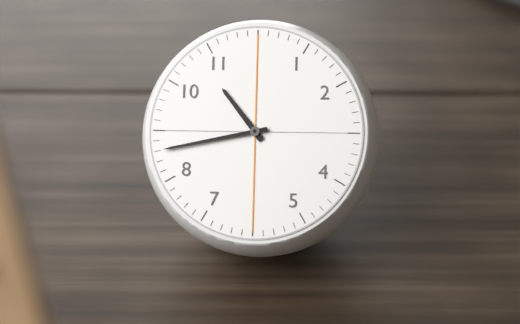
10:43
